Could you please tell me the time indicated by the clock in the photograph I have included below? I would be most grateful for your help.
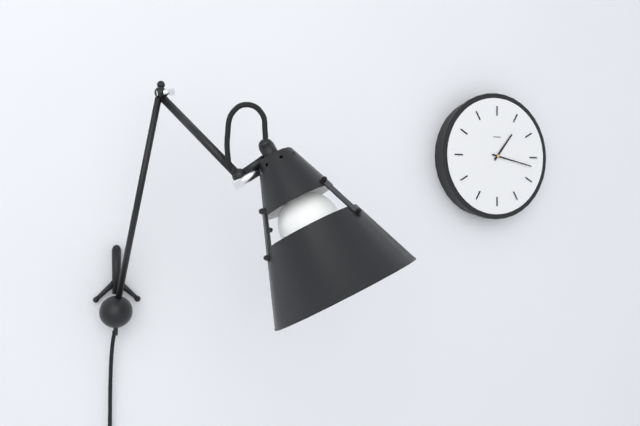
1:17
